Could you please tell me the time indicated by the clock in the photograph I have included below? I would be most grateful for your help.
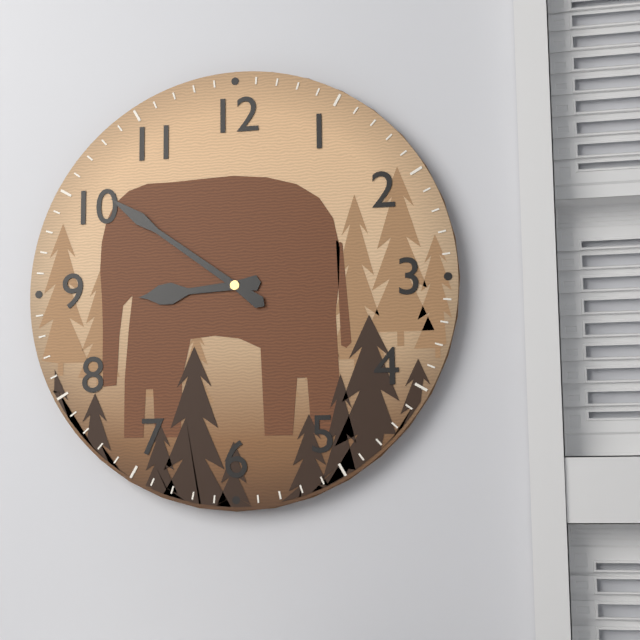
8:51
